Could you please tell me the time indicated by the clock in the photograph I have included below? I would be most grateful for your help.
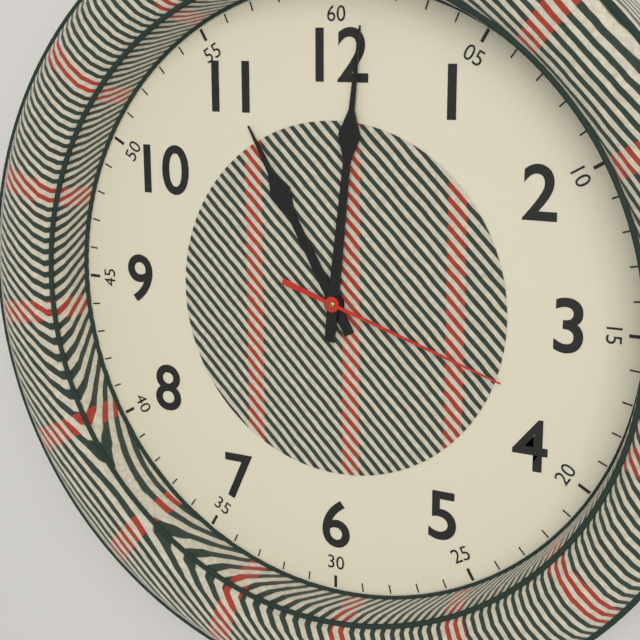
11:01:18
